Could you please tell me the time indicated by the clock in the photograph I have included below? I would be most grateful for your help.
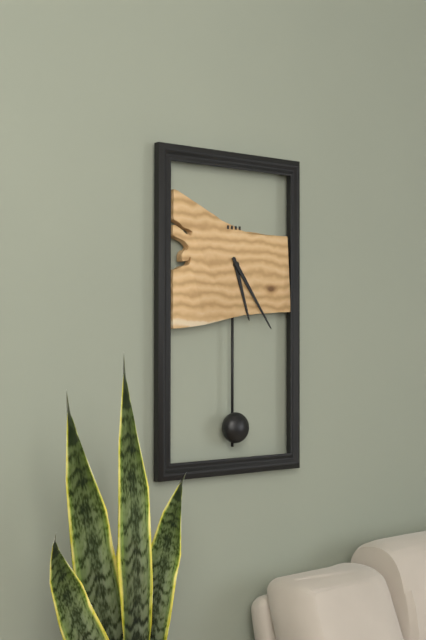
5:24
